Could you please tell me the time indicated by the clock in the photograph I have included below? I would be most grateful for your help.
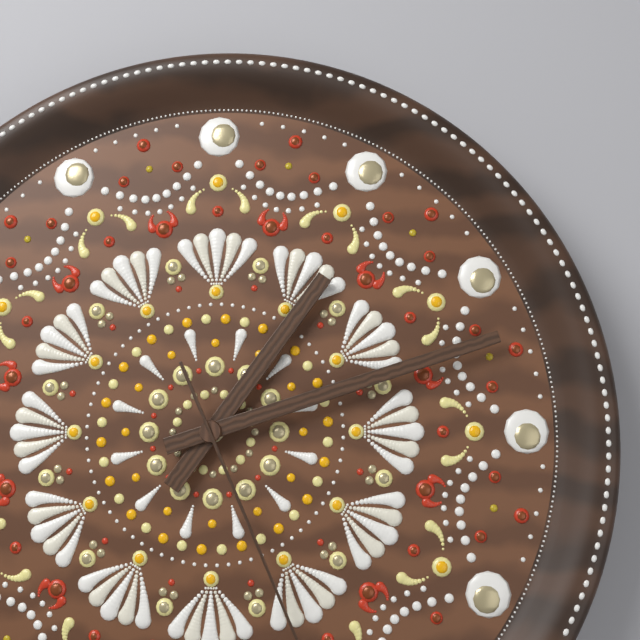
1:12
